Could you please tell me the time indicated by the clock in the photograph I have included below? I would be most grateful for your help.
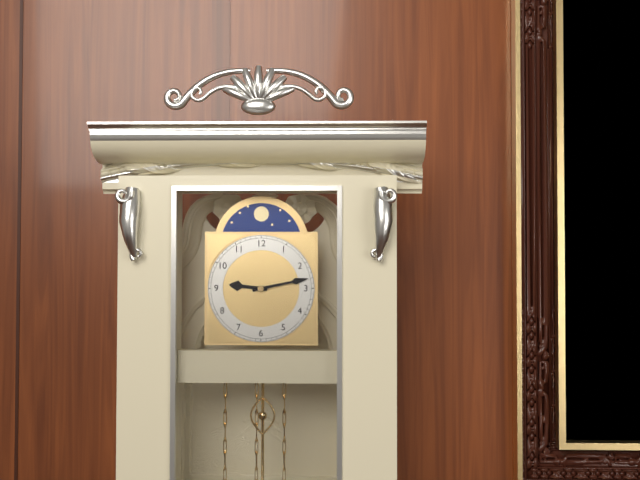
9:13
